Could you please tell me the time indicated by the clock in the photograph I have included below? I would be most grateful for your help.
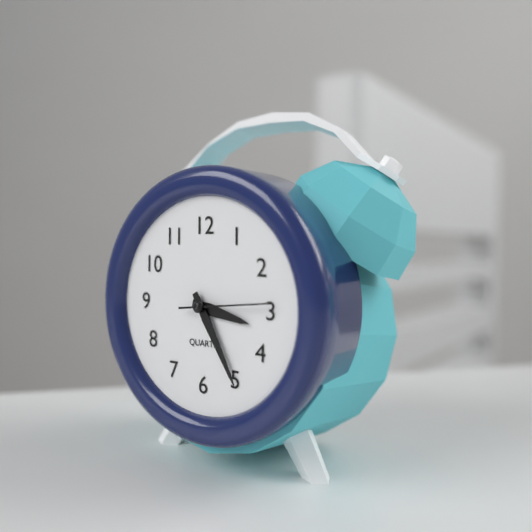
3:25:14
